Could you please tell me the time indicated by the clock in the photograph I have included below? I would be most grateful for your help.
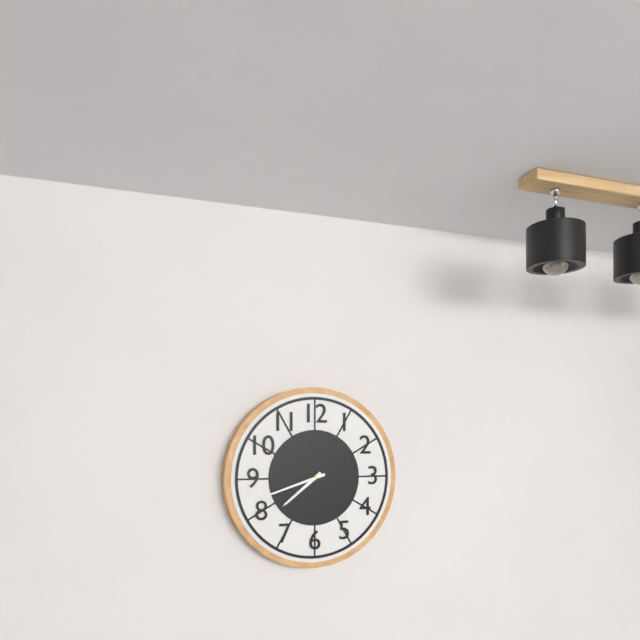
7:42
